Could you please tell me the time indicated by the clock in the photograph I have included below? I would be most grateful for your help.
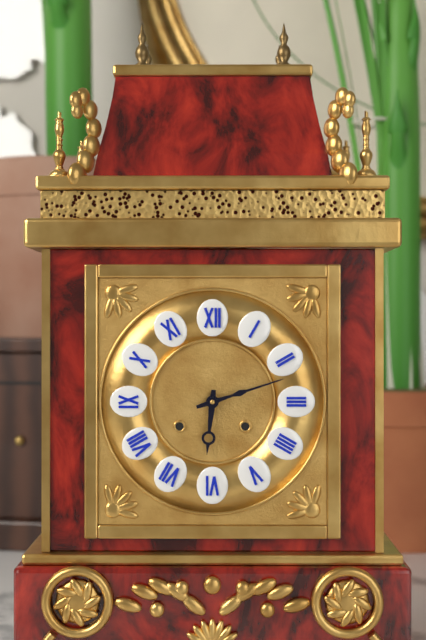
6:12
